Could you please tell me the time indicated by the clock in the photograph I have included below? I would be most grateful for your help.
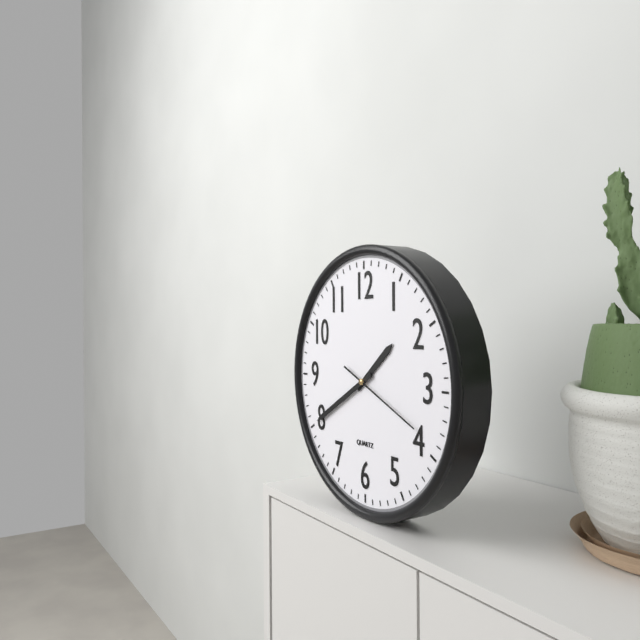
1:40:19
